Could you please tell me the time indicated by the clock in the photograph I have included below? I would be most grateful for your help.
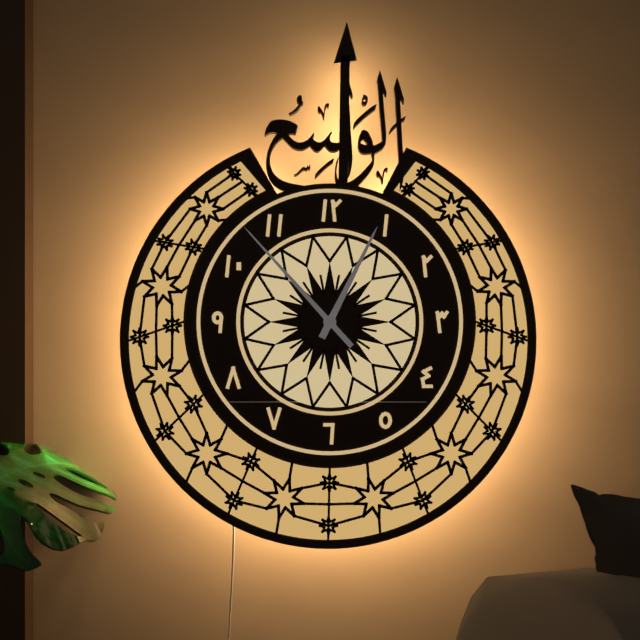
12:53
